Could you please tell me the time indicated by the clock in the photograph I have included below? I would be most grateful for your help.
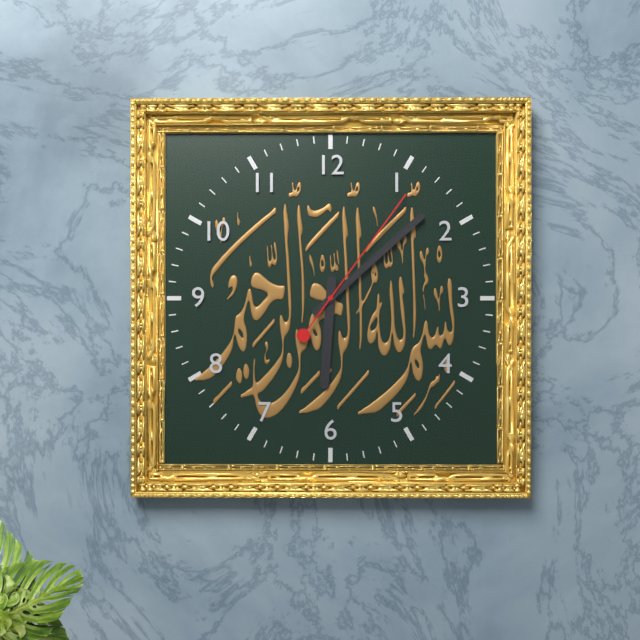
6:08:06
